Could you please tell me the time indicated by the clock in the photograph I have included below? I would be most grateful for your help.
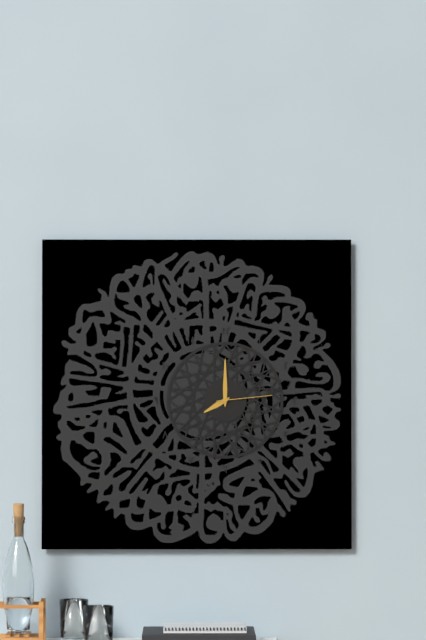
8:00:14
